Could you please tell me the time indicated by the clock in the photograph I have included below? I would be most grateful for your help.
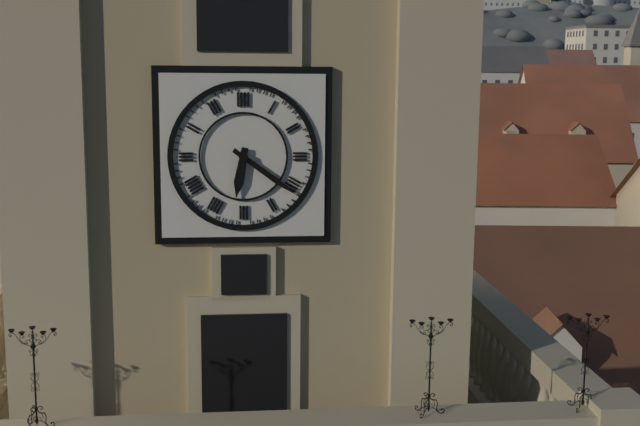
6:21
